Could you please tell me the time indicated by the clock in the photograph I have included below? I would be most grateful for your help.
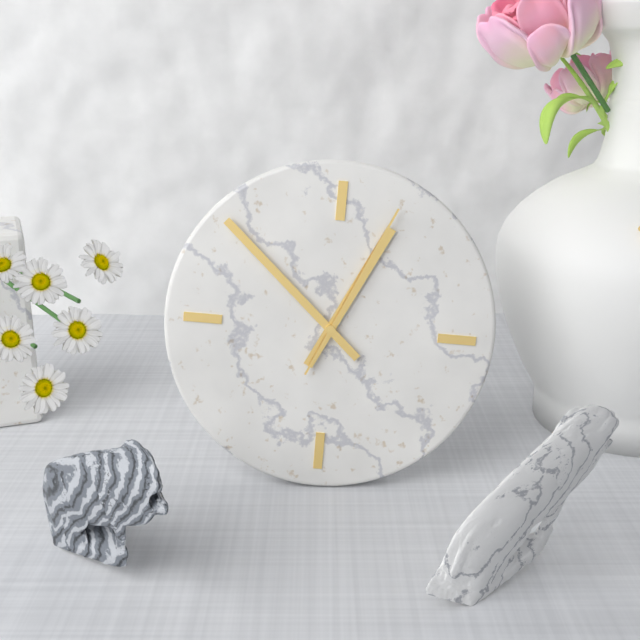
12:52:04
